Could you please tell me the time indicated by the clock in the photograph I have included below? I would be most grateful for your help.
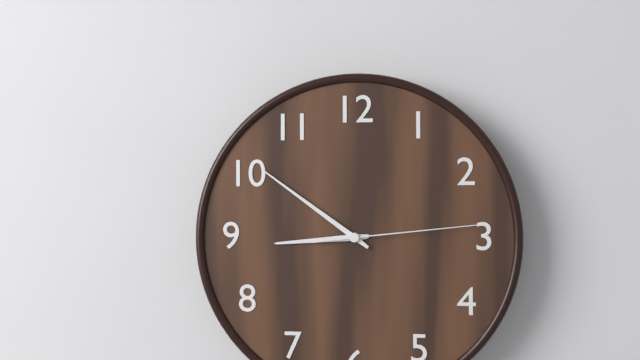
8:51:14
